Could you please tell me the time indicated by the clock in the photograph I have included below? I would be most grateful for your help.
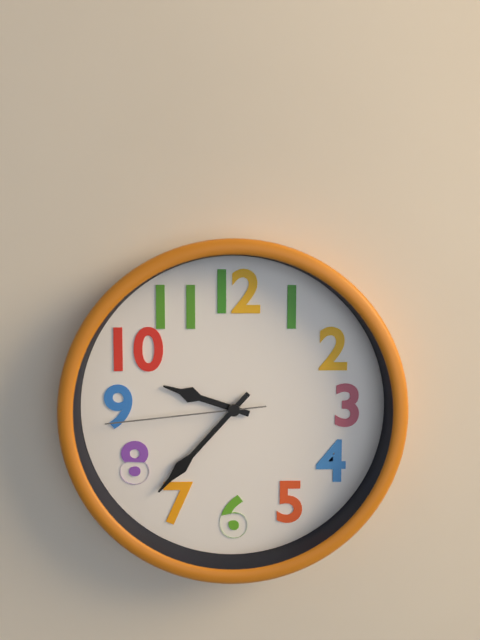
9:37:44
